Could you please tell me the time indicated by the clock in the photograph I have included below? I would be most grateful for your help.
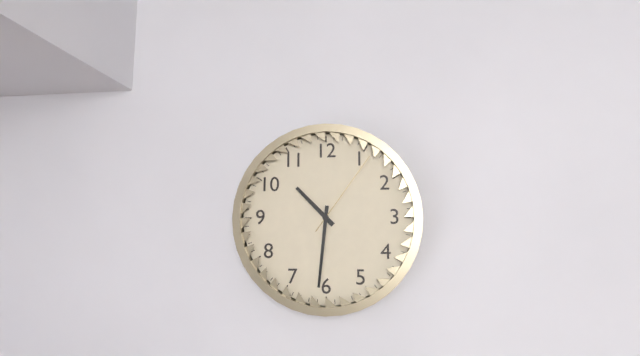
10:31:06
